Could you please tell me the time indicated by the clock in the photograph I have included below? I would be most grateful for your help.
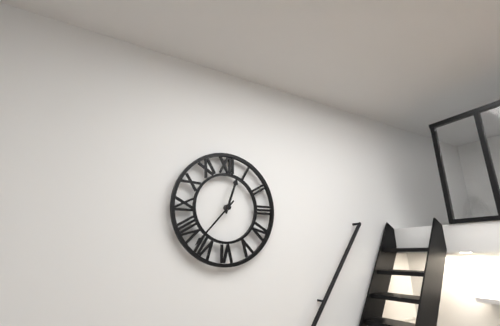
12:37
